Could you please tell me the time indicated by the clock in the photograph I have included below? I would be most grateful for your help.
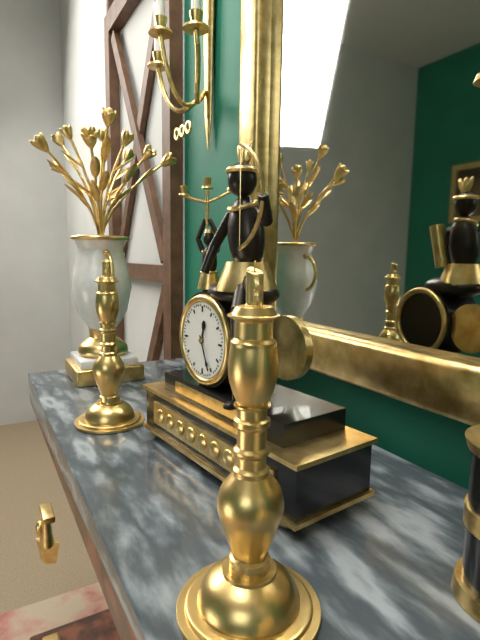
12:26
